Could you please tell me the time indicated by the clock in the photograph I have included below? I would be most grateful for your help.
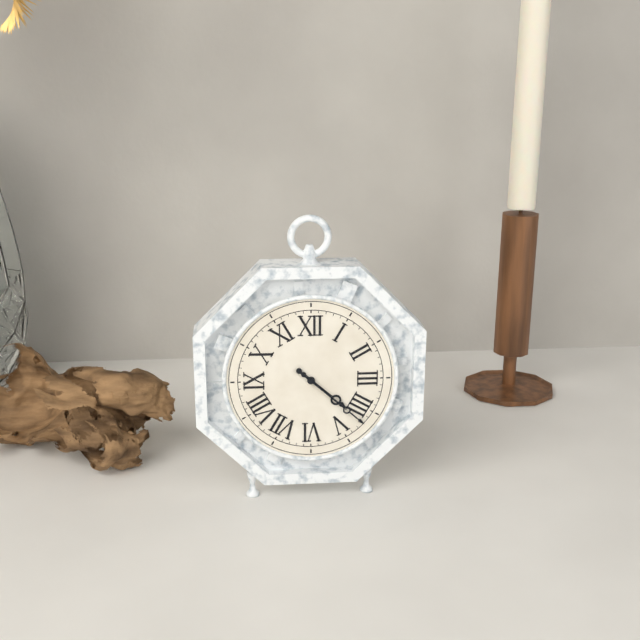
4:22
